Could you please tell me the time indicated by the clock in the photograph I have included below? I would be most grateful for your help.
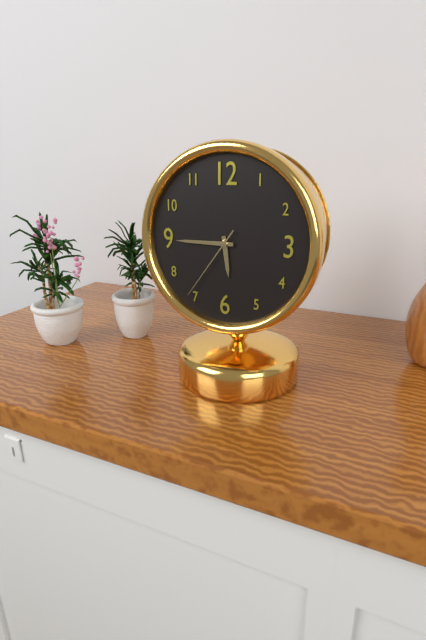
5:45:36
